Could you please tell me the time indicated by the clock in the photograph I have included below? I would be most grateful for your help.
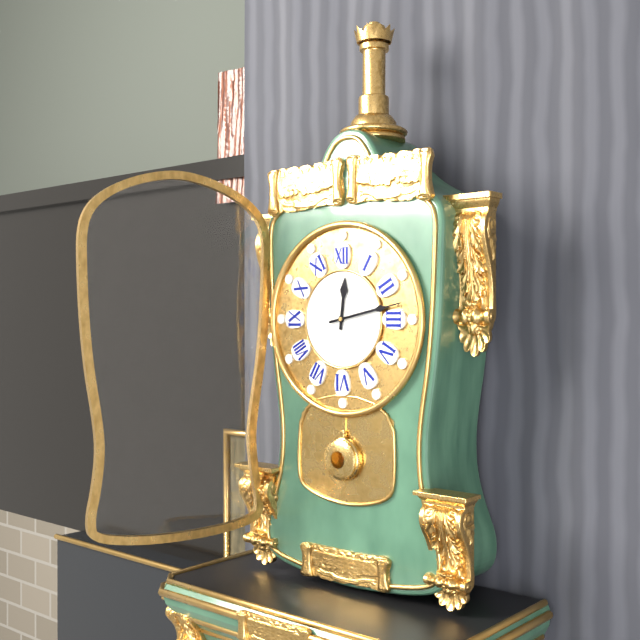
12:13
